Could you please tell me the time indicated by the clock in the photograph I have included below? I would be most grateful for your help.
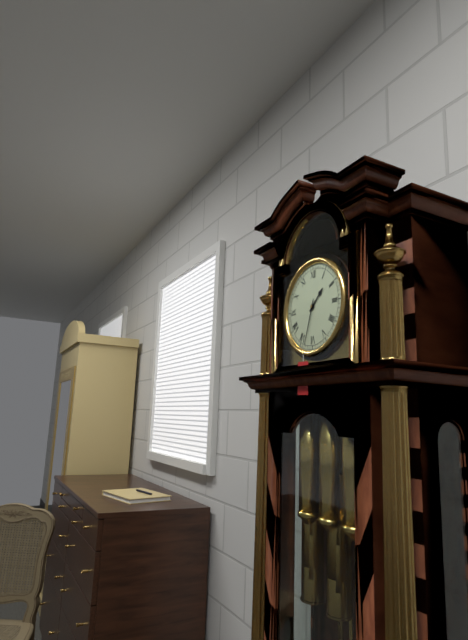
1:33
